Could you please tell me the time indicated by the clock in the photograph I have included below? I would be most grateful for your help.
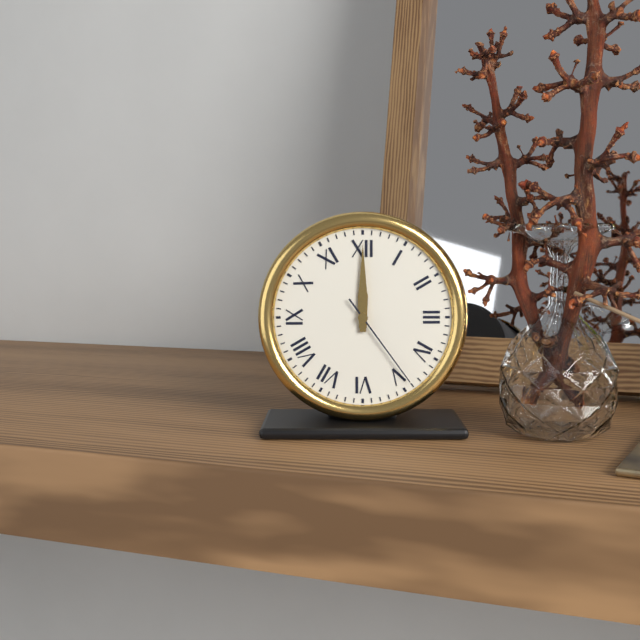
12:00:24
